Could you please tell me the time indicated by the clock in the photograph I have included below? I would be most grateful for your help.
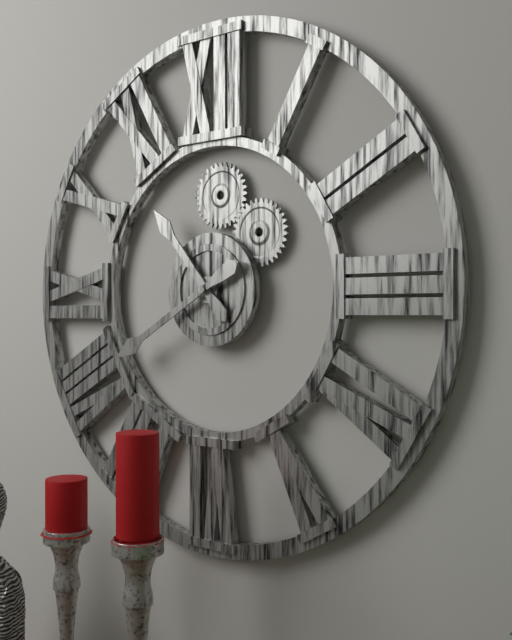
10:40
